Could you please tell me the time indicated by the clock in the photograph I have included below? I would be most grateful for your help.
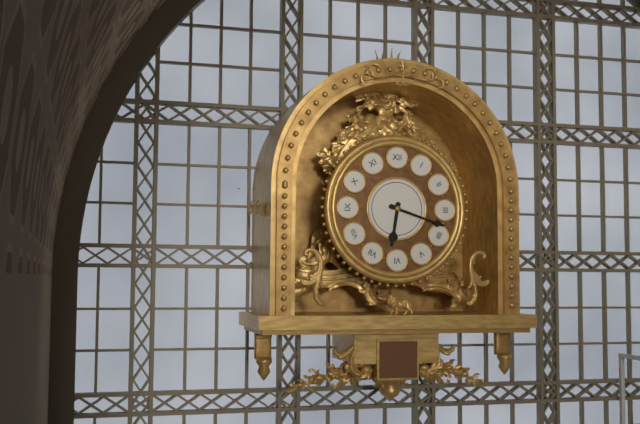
6:18
